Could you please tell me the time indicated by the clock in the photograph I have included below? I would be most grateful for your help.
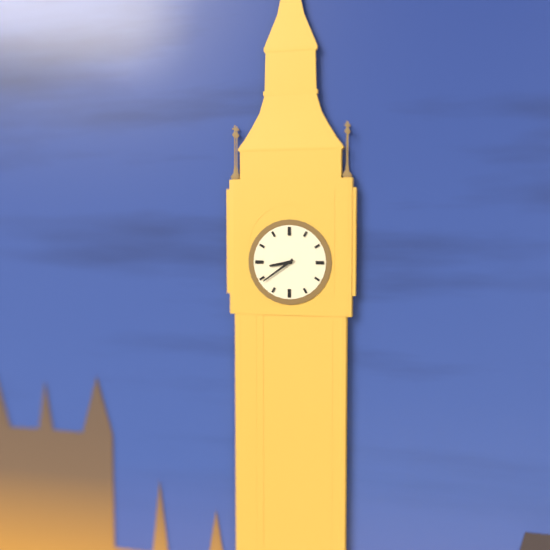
8:39
